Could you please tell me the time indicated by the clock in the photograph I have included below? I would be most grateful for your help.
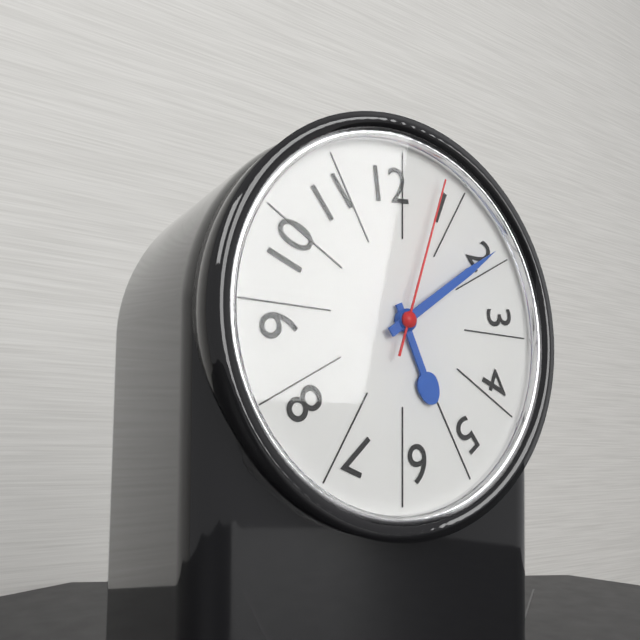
5:09:03
